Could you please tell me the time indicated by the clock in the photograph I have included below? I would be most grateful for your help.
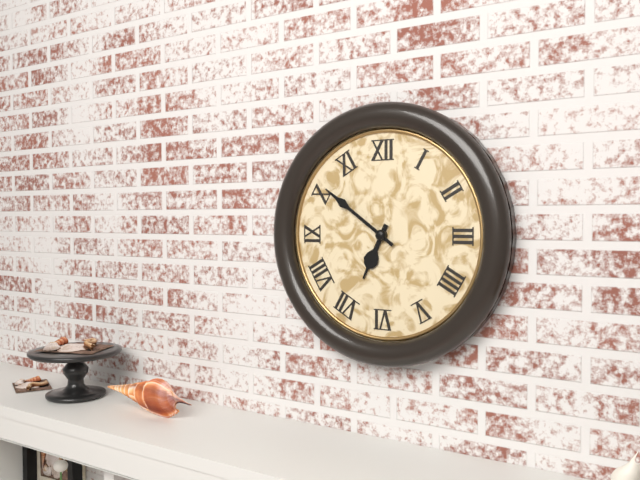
6:51
